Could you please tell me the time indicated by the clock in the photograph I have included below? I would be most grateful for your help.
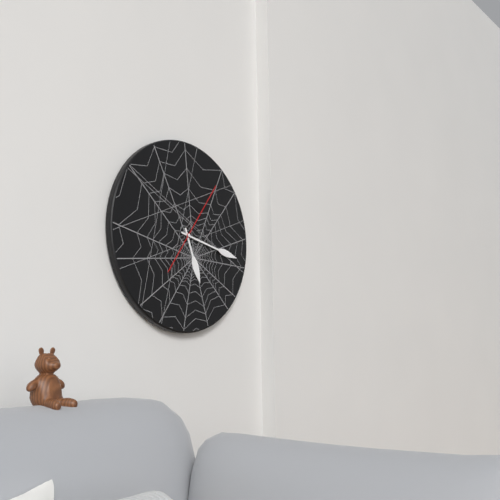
5:17:06
